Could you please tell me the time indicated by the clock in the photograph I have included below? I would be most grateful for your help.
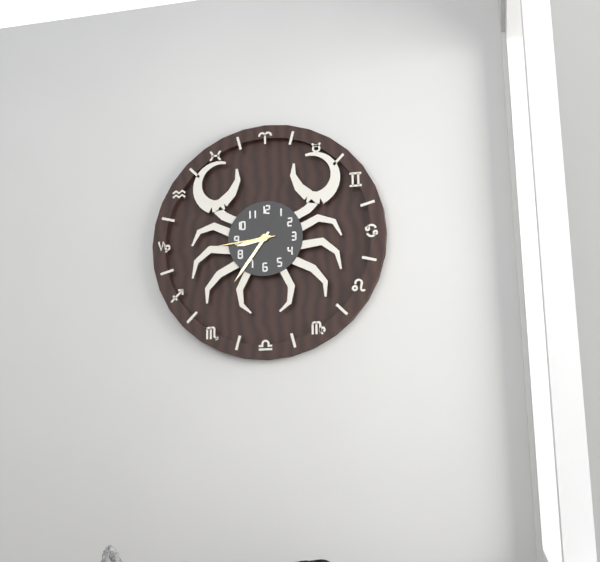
8:36:44
